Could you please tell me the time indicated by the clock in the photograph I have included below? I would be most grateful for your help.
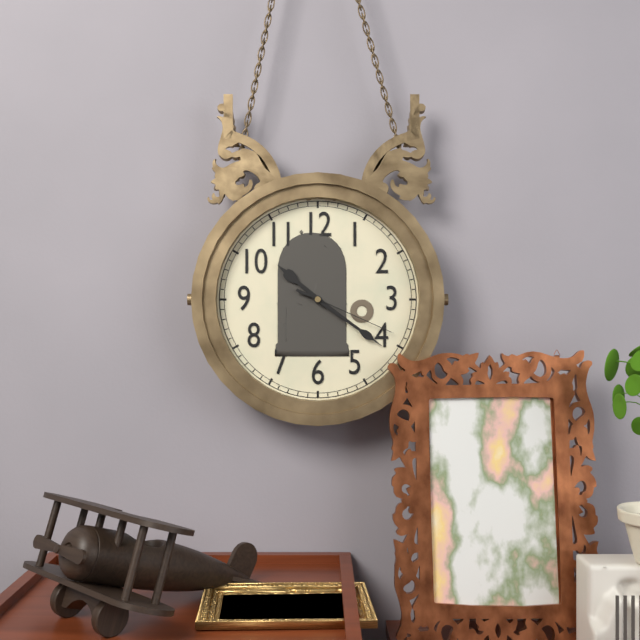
10:21:19
